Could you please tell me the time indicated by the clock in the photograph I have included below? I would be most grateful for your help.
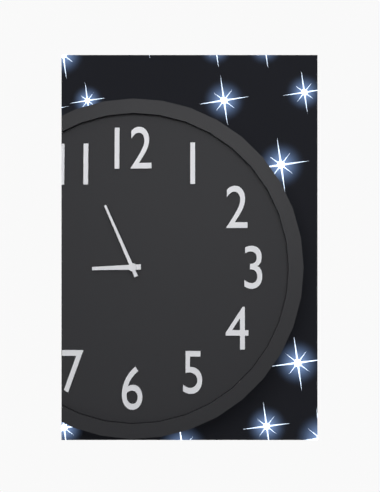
8:56
